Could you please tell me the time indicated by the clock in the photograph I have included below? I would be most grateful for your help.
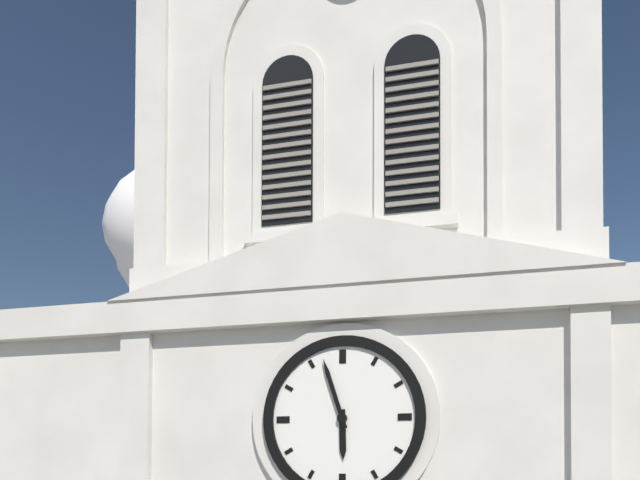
5:57
